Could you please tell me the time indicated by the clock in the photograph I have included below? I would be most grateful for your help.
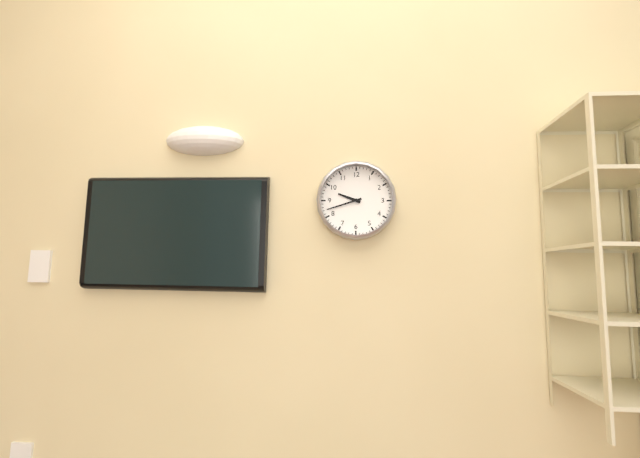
9:42
